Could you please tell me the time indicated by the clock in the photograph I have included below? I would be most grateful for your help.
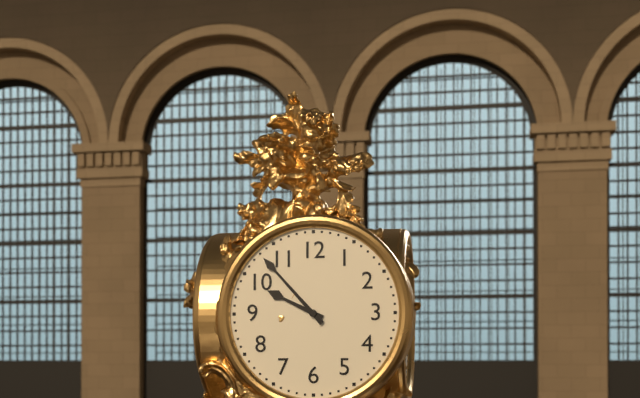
9:53
